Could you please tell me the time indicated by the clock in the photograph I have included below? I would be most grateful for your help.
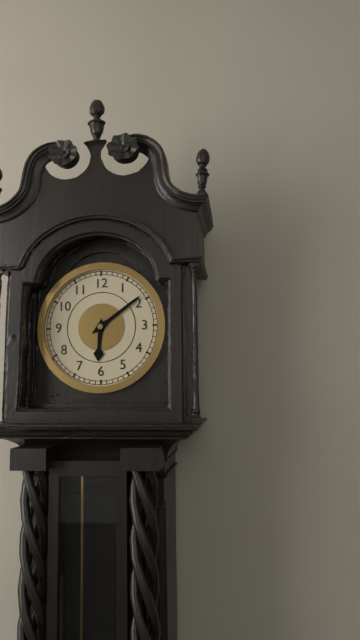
6:09
